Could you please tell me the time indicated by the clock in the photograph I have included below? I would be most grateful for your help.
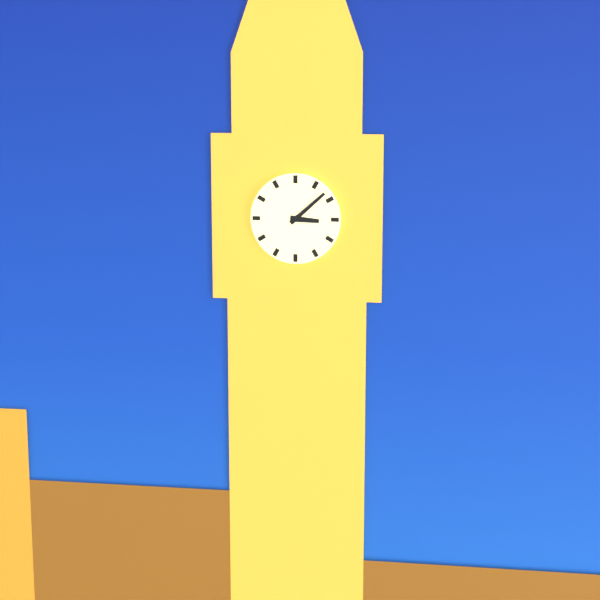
3:08
